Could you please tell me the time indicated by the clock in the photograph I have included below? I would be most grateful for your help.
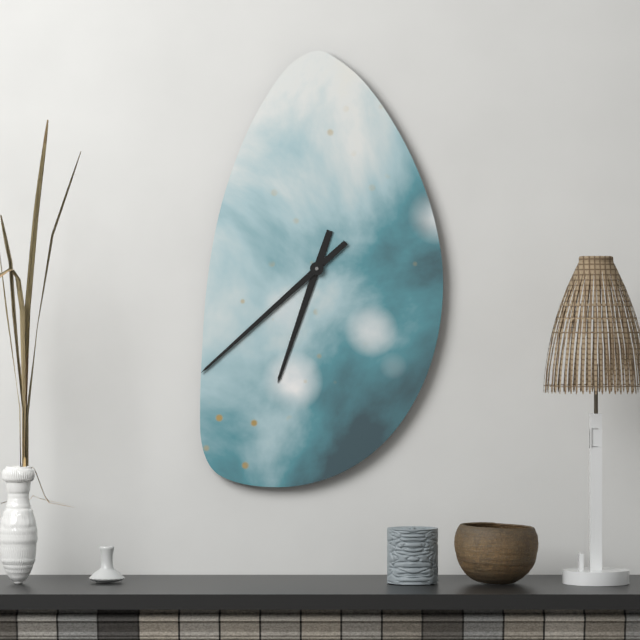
6:38
